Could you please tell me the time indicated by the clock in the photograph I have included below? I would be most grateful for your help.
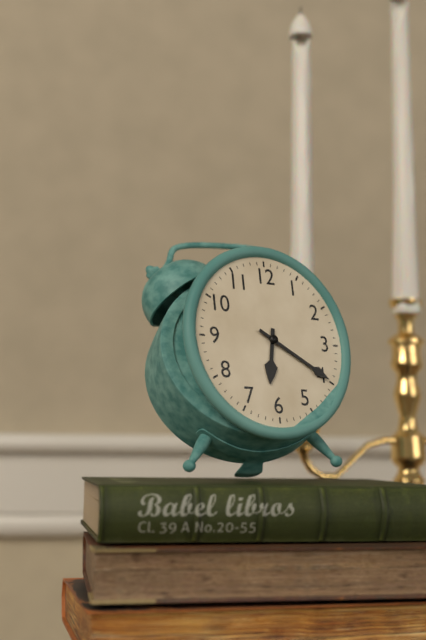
6:20
